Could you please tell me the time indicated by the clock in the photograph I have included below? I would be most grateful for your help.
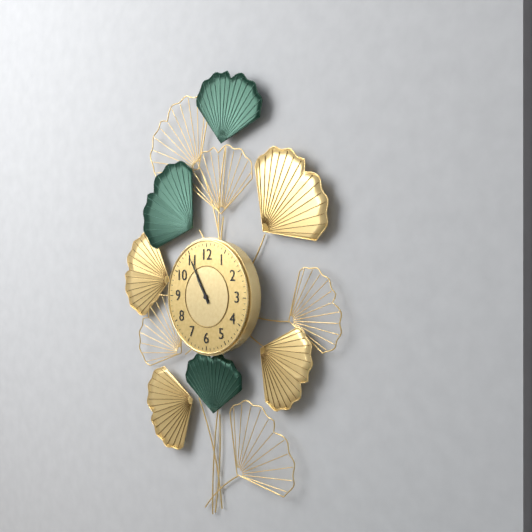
10:55
